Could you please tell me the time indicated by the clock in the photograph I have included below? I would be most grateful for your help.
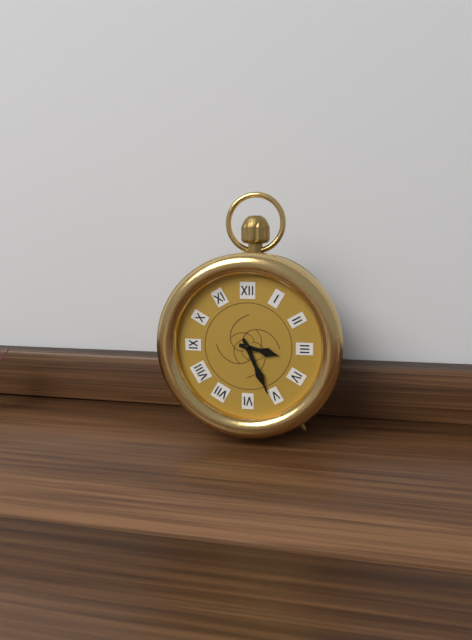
3:26
